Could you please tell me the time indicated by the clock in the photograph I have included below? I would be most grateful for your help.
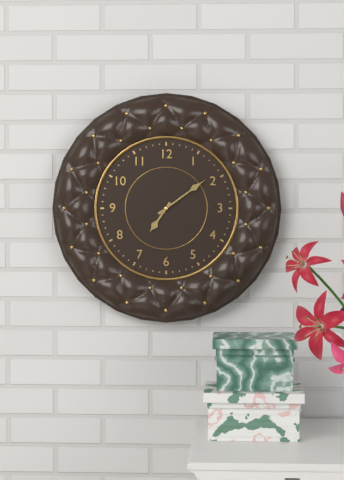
7:09
